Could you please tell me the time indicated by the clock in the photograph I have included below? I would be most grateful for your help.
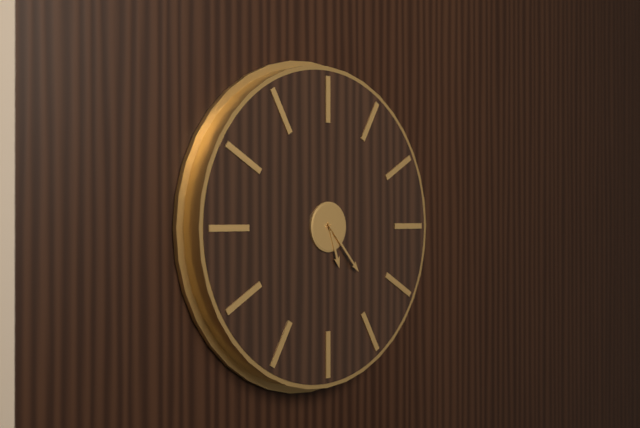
5:23
